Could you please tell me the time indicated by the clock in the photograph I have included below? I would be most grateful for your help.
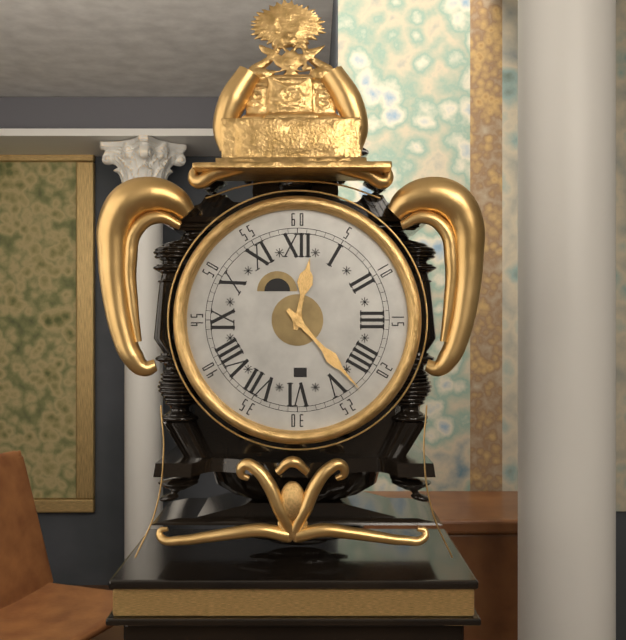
12:23
